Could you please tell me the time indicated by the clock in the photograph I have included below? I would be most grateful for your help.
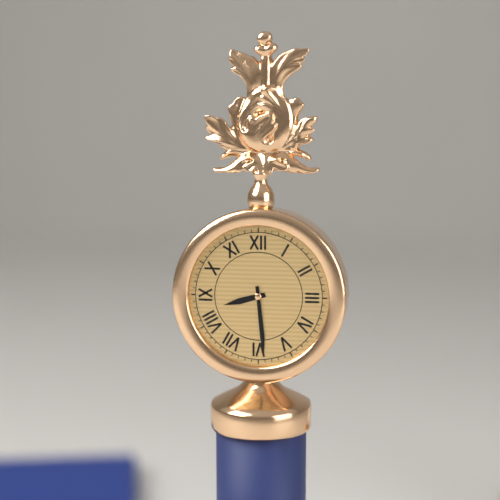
8:29
